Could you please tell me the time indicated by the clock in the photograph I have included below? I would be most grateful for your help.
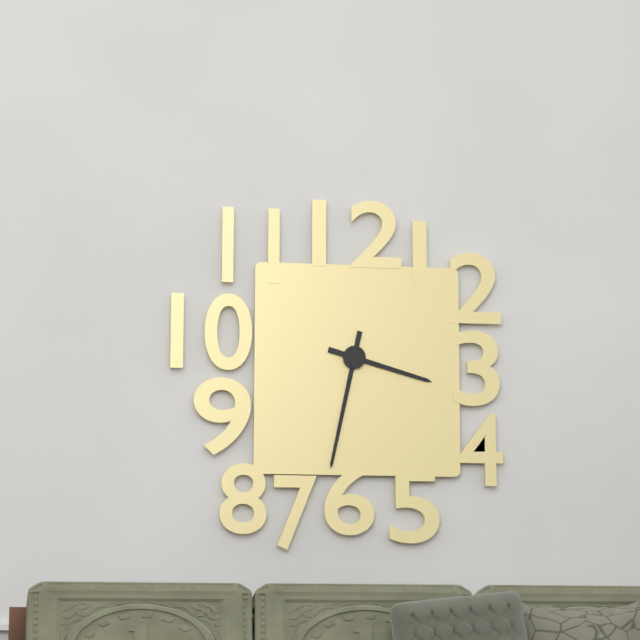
3:32
